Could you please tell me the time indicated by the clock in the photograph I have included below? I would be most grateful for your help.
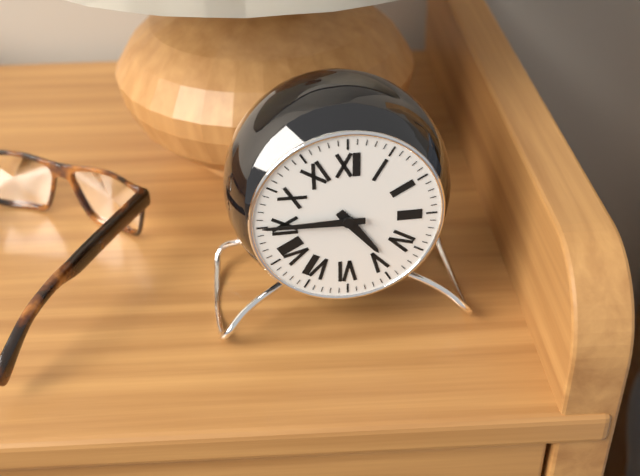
4:45
